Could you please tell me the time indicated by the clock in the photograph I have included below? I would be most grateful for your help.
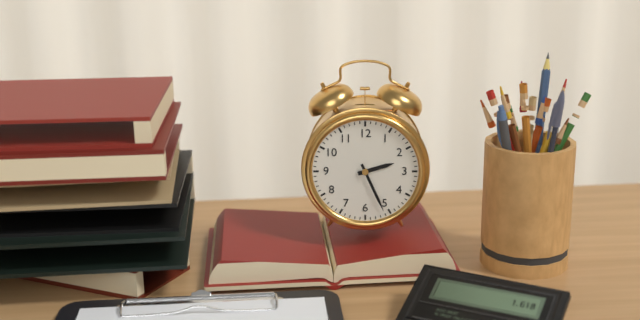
2:26
